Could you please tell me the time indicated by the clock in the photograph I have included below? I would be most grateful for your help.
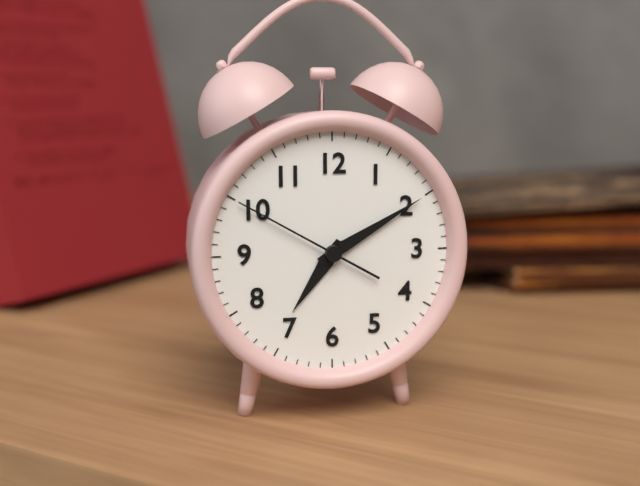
7:10:50
